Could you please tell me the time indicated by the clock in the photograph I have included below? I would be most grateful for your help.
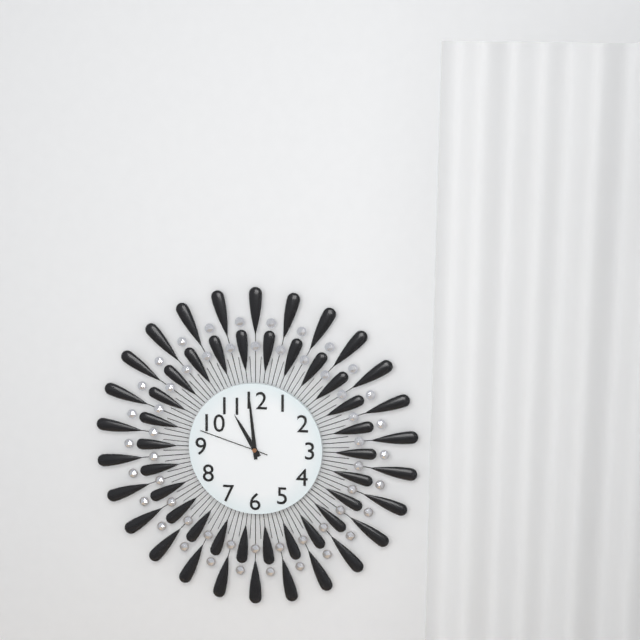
10:59:48
